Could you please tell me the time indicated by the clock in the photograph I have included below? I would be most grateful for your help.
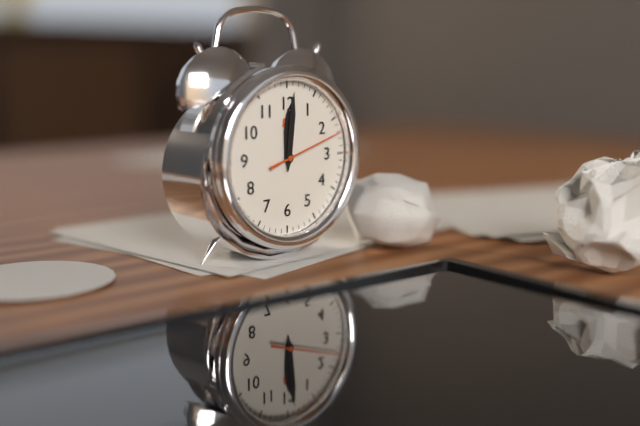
12:01:12
